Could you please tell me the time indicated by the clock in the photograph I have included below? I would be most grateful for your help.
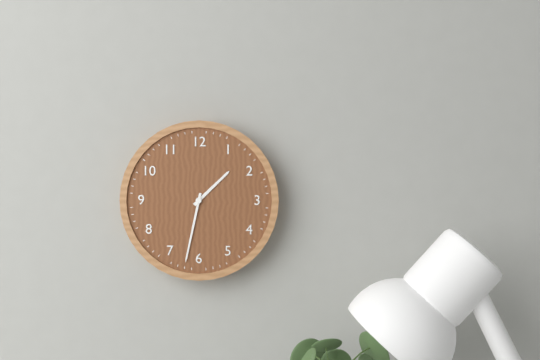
1:32
